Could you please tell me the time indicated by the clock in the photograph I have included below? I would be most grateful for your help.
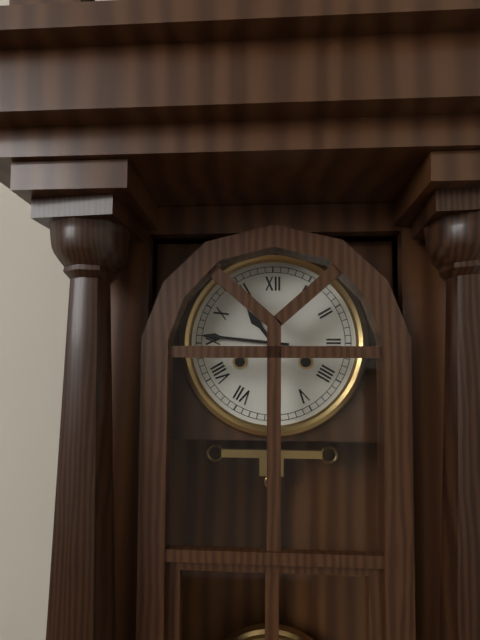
10:46
